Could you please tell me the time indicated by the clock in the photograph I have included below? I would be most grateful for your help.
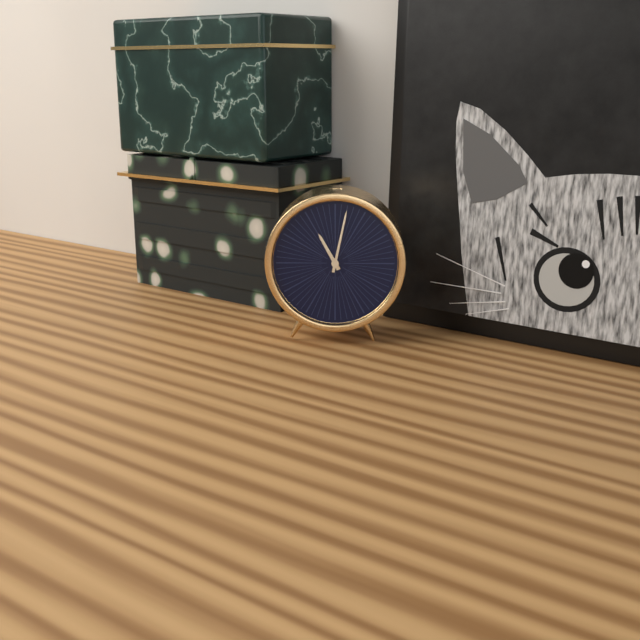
11:02
